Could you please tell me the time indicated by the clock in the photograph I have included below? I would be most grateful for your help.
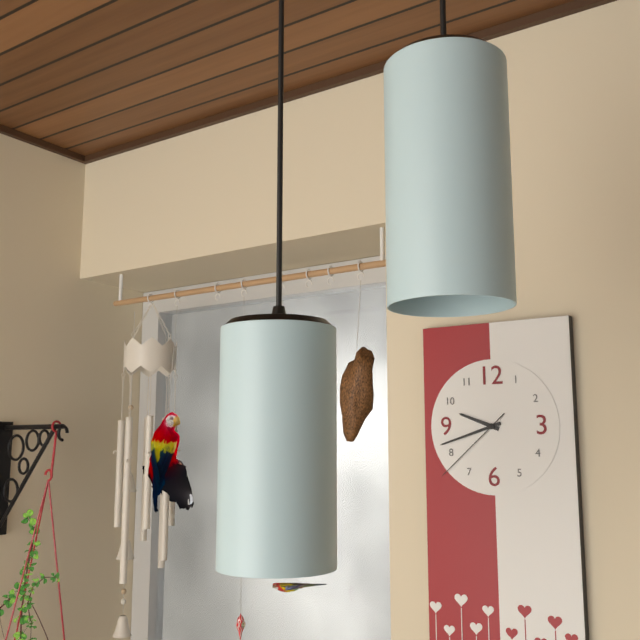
9:42:38
